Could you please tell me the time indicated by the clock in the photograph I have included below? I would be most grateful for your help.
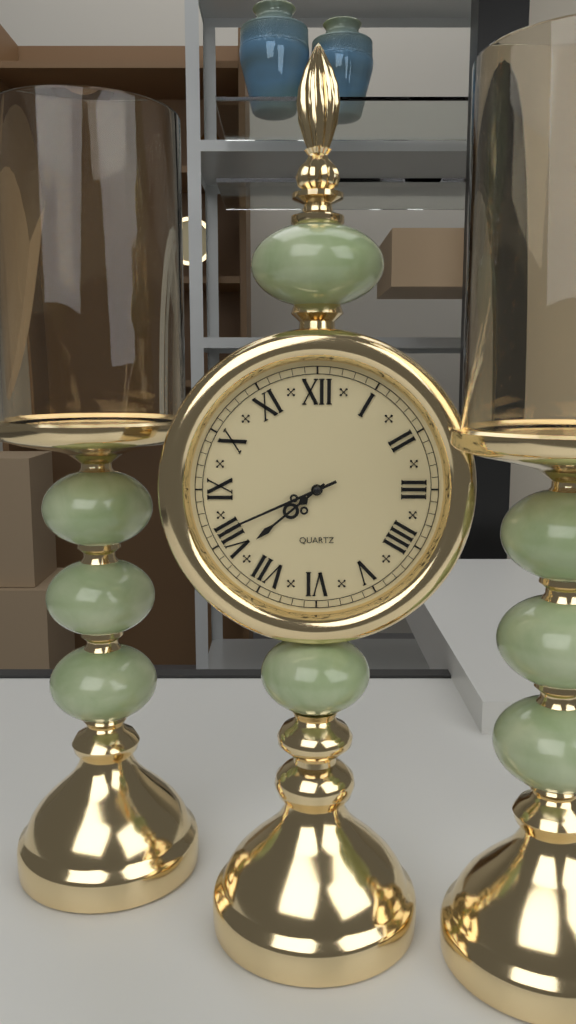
7:41
